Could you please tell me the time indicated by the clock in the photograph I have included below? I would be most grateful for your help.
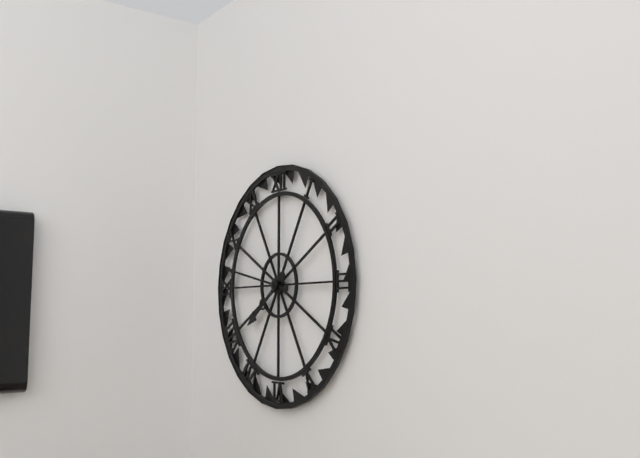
7:47
